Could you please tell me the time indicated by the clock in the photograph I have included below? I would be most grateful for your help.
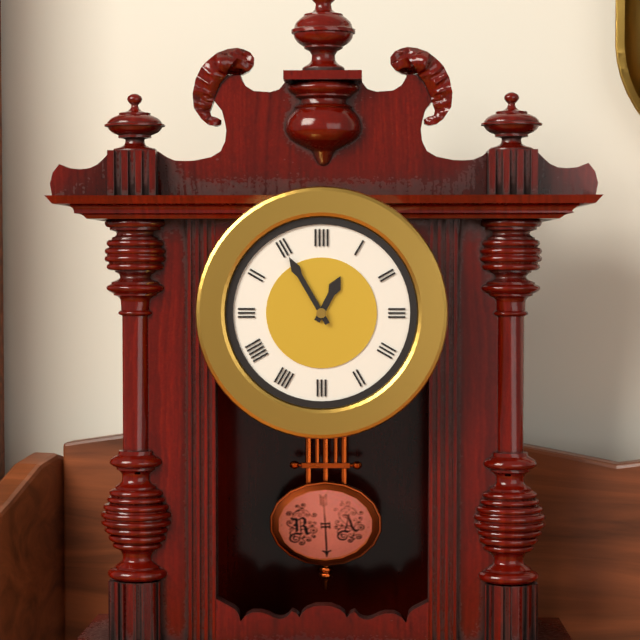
12:55
